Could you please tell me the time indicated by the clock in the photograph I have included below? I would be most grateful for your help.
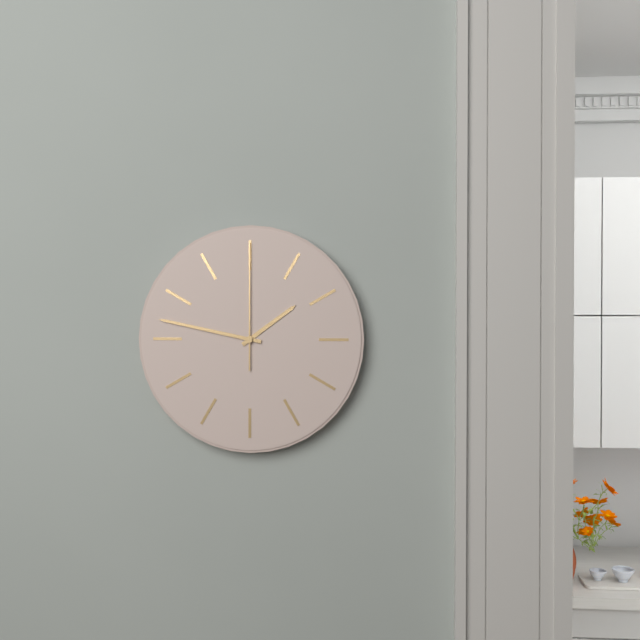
1:47:00
